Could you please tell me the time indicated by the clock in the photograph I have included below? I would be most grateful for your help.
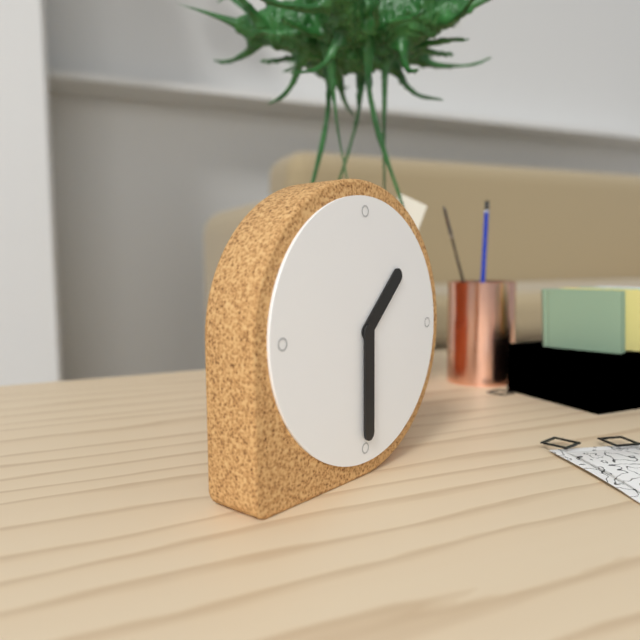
1:30
